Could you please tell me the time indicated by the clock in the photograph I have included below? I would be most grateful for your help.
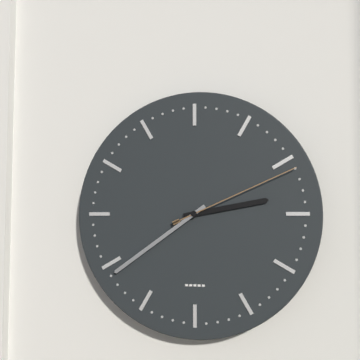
2:39:11
